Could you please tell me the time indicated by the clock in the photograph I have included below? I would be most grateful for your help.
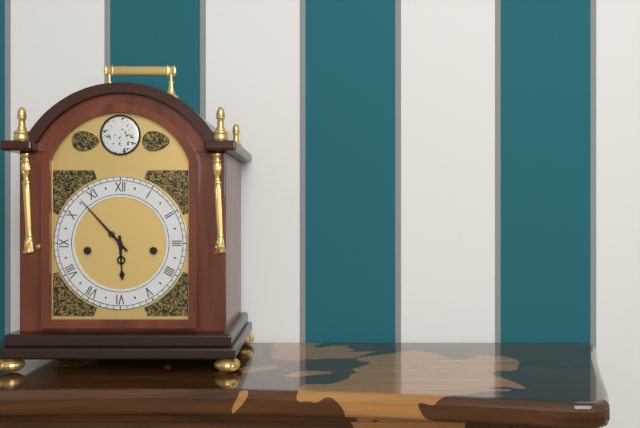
5:53
